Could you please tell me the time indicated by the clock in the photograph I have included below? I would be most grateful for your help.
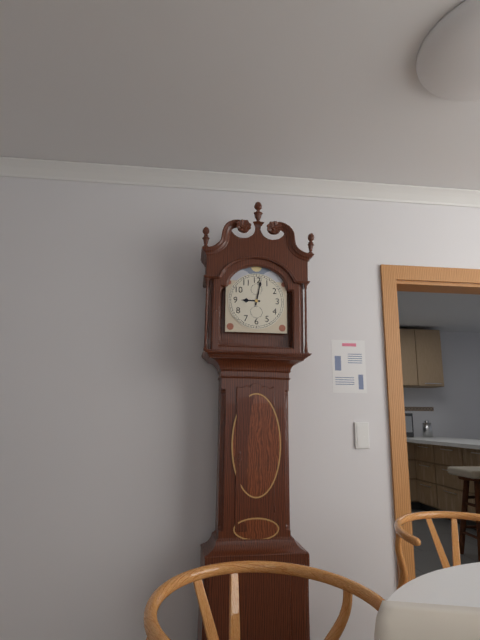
9:02
